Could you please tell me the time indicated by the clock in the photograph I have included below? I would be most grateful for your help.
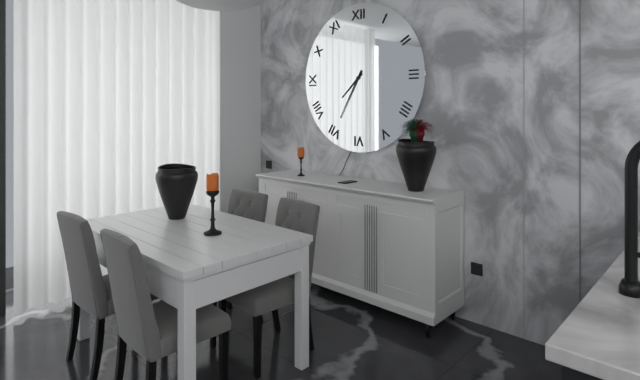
7:35
